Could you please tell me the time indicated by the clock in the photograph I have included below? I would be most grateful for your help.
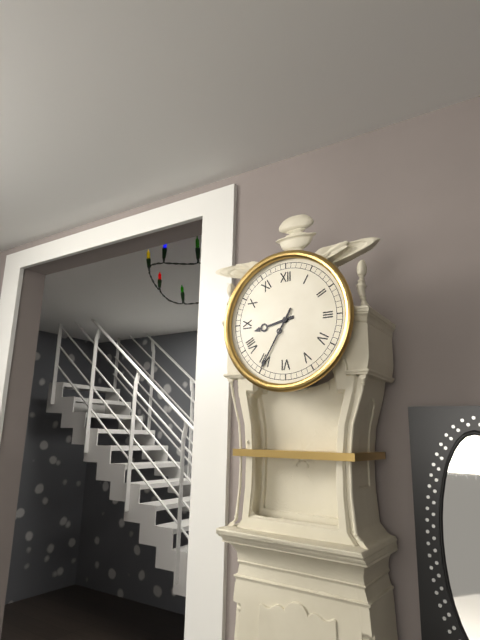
8:35
